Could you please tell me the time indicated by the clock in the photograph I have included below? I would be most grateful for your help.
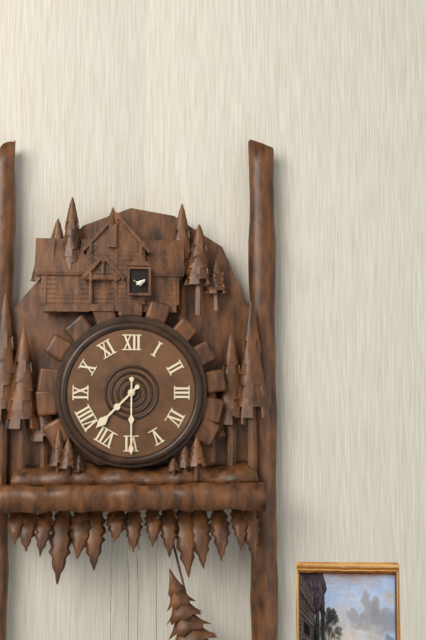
7:30
